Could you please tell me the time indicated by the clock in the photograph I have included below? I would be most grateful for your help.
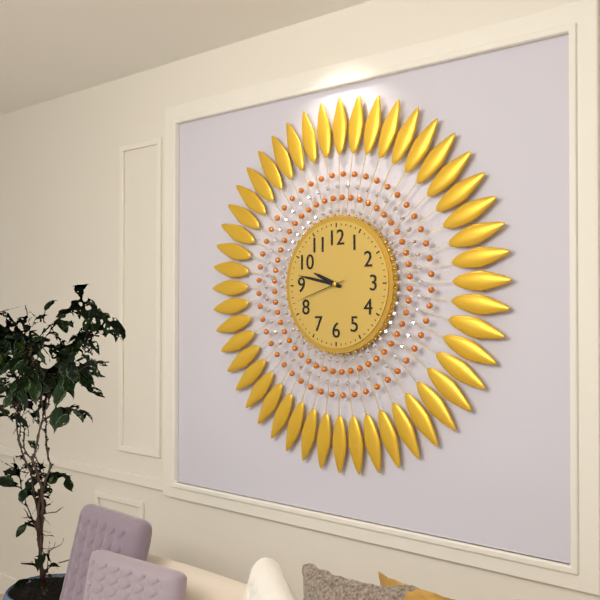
9:47:42
